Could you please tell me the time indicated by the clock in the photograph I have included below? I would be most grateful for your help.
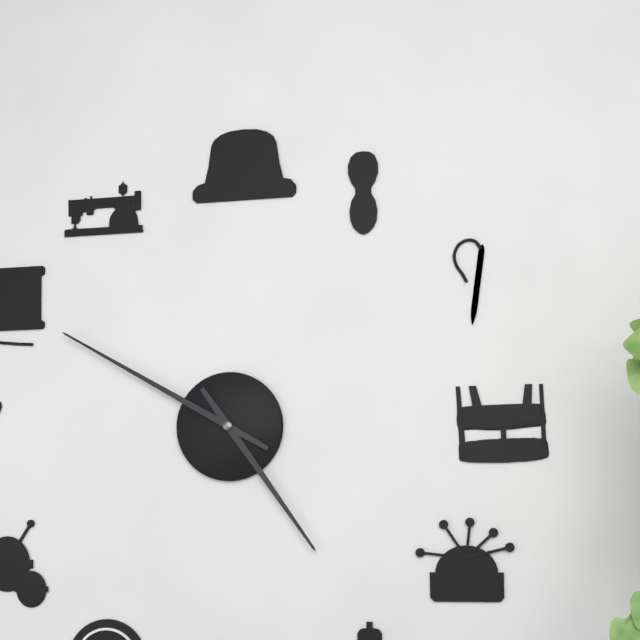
4:50
